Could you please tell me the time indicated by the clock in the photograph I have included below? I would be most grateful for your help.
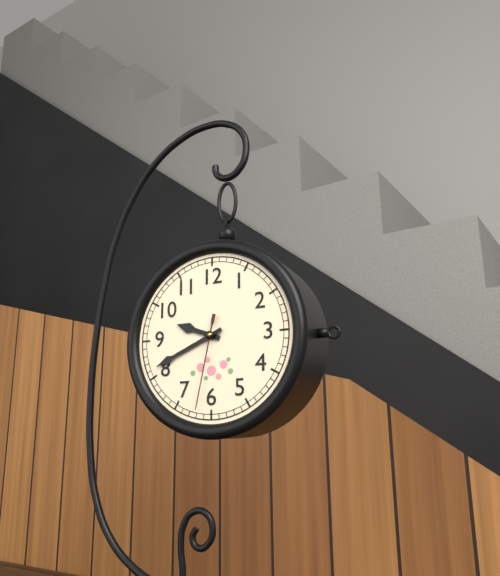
9:41:32
